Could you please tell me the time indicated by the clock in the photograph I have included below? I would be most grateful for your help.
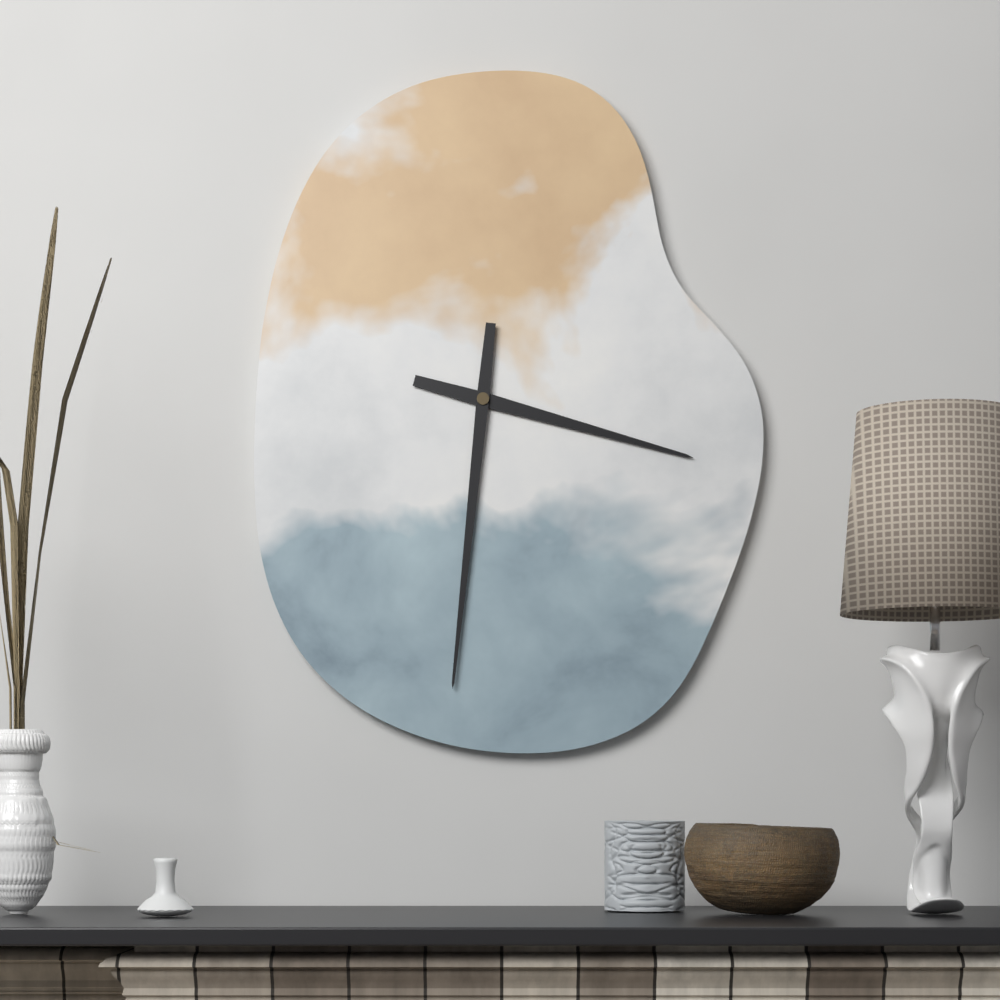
3:31
